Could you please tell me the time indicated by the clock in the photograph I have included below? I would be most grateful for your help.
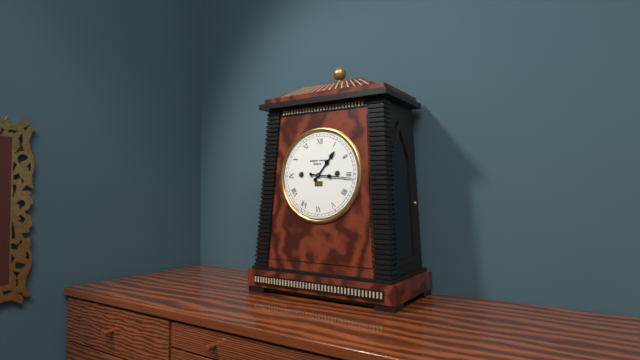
1:16
